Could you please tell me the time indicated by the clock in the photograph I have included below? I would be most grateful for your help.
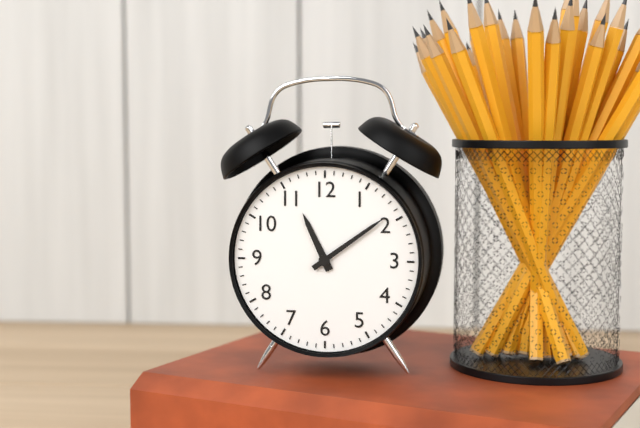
11:09
